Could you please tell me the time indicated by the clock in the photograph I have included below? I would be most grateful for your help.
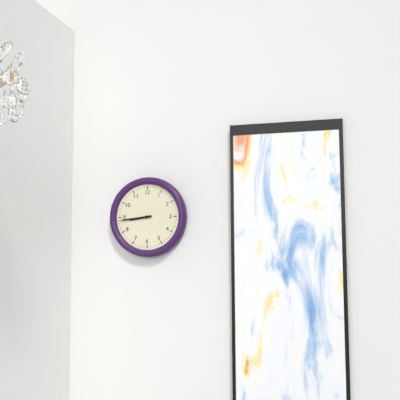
8:44
